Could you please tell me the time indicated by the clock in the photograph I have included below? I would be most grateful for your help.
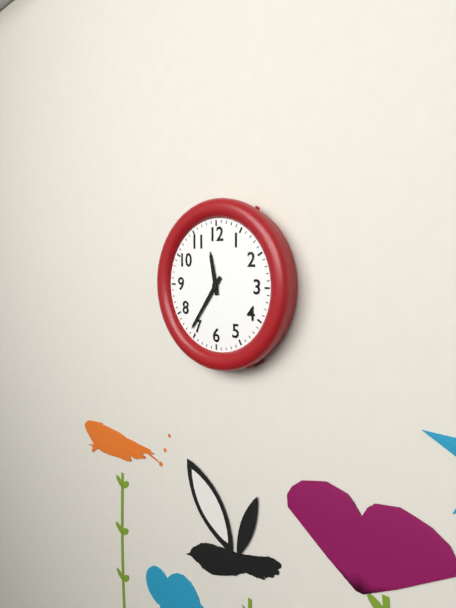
11:36
